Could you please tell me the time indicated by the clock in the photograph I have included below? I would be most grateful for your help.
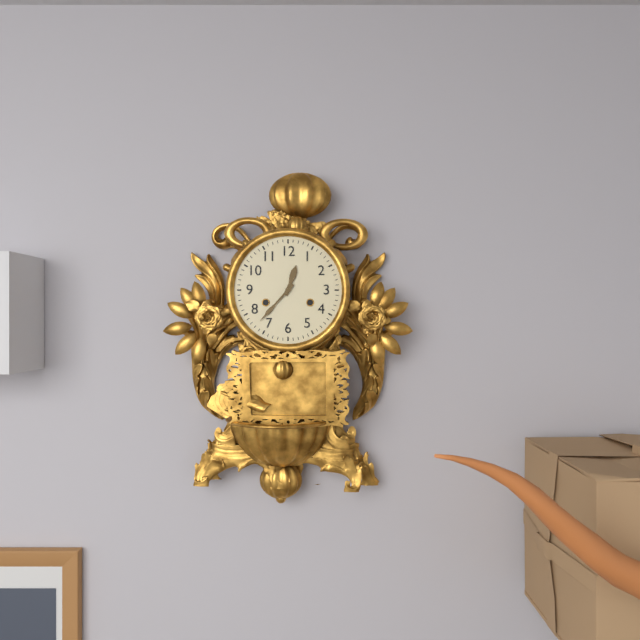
12:37
